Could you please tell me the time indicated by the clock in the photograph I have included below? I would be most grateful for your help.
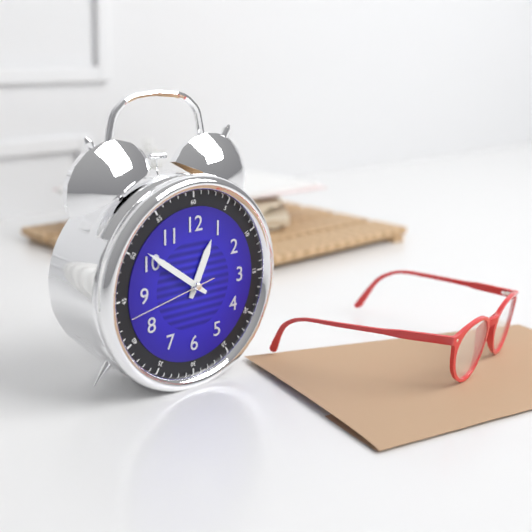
12:51:43
